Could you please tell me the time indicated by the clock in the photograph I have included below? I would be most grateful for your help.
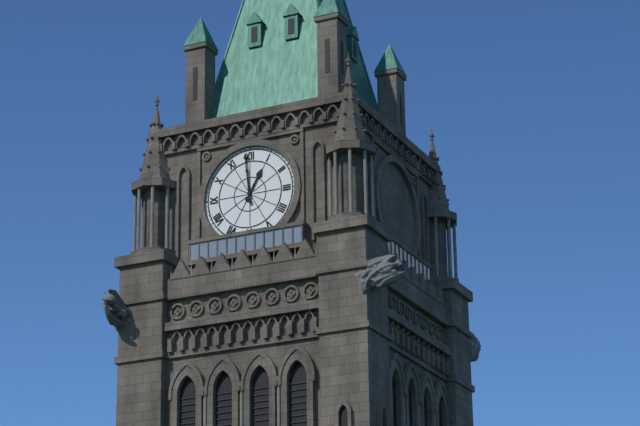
12:59
